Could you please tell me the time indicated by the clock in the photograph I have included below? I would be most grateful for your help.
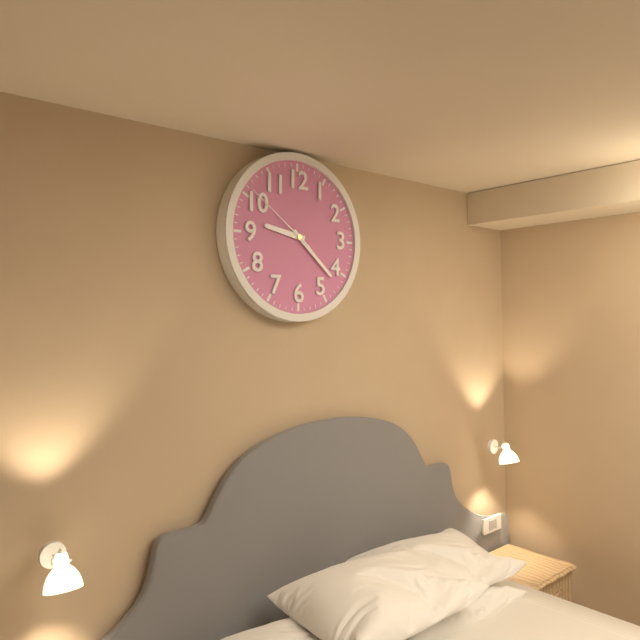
9:22:51
